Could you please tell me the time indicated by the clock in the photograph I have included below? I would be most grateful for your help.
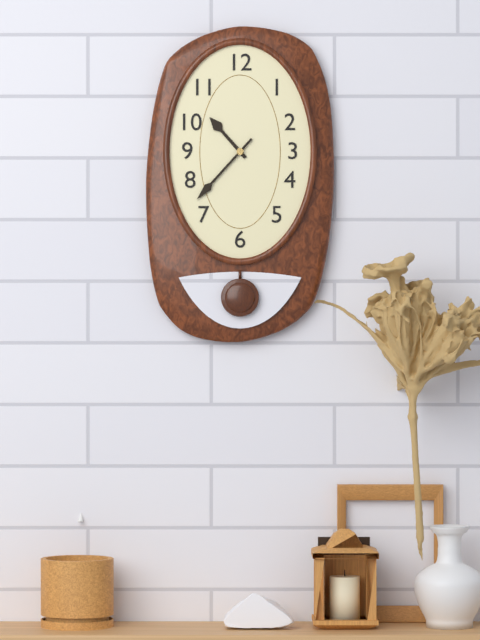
10:37
